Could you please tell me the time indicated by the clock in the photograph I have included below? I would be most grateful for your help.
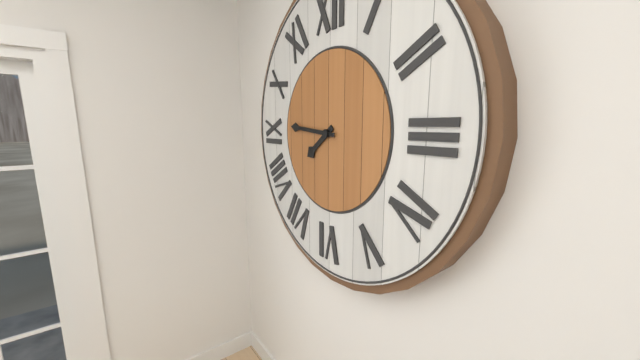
7:46
